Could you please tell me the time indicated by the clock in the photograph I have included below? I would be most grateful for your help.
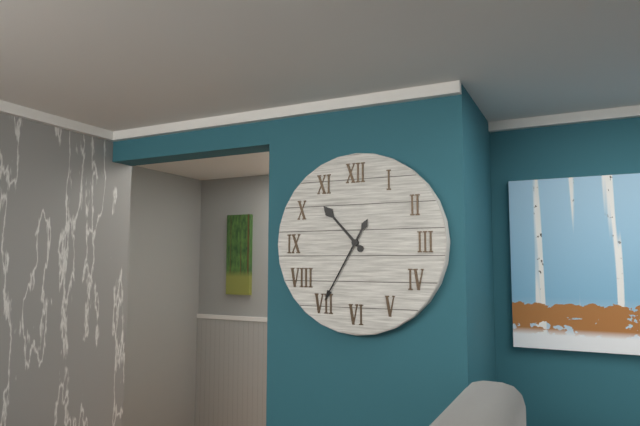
10:35
